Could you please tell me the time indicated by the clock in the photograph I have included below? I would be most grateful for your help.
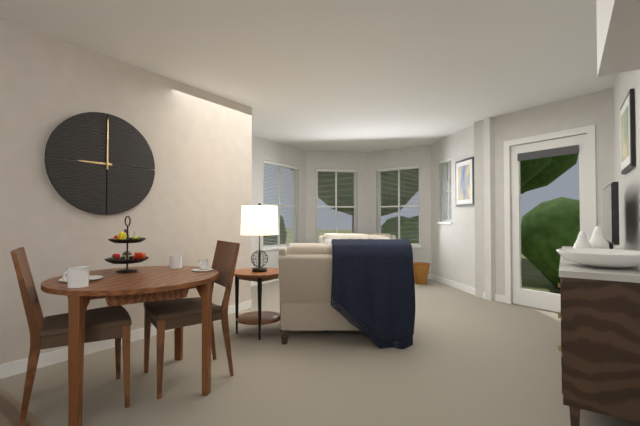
9:00
